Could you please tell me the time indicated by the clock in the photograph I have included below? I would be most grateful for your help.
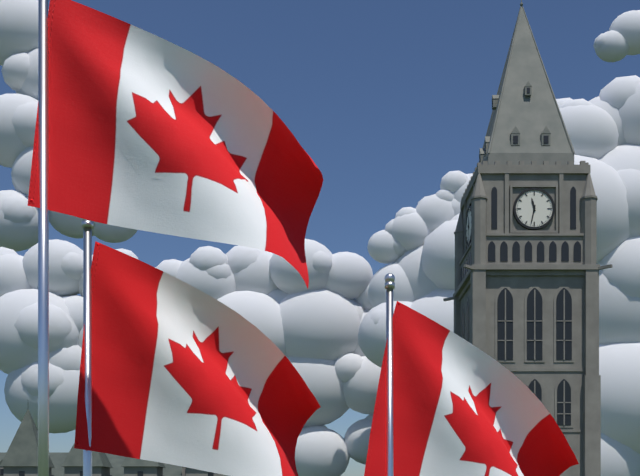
11:32
